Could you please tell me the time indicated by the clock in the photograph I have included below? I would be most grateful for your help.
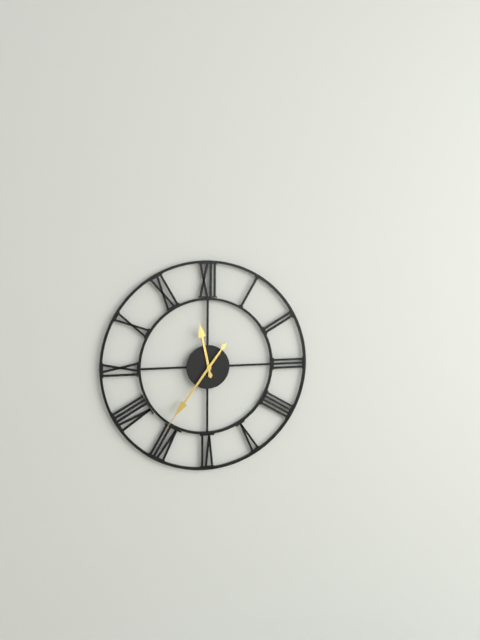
11:36
